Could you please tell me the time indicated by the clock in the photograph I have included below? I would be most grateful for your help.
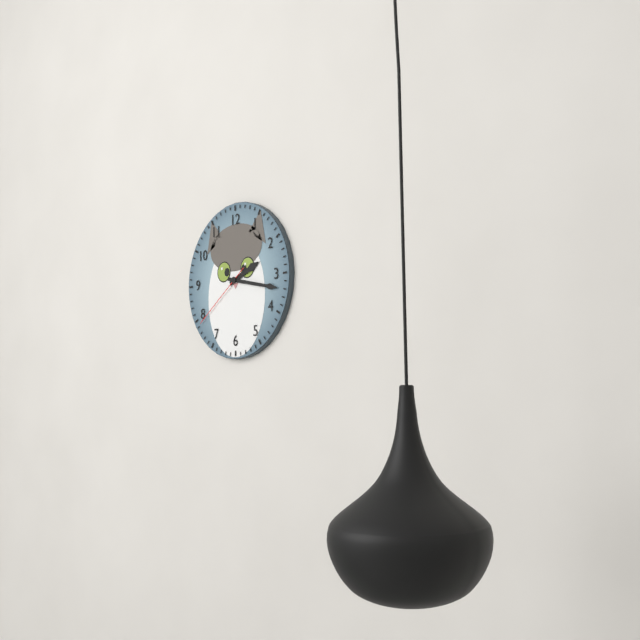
2:17:39
